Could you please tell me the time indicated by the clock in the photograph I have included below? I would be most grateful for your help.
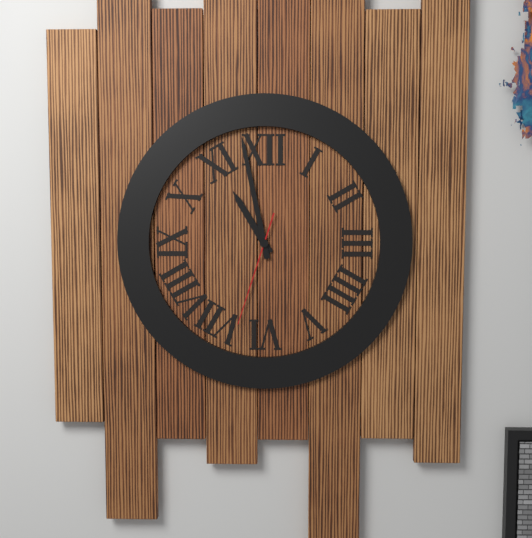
10:58:33
